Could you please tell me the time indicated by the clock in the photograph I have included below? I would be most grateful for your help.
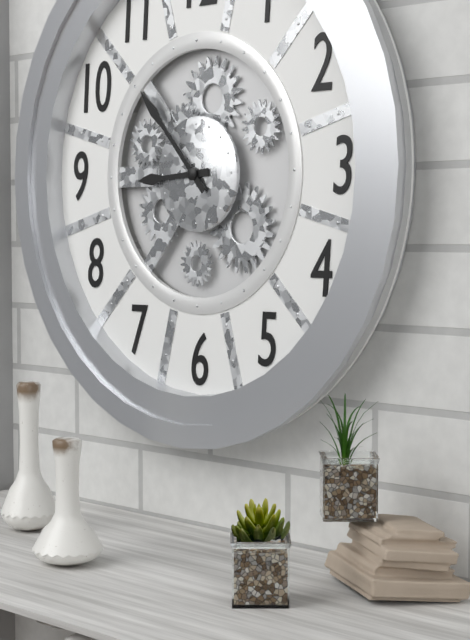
8:53
